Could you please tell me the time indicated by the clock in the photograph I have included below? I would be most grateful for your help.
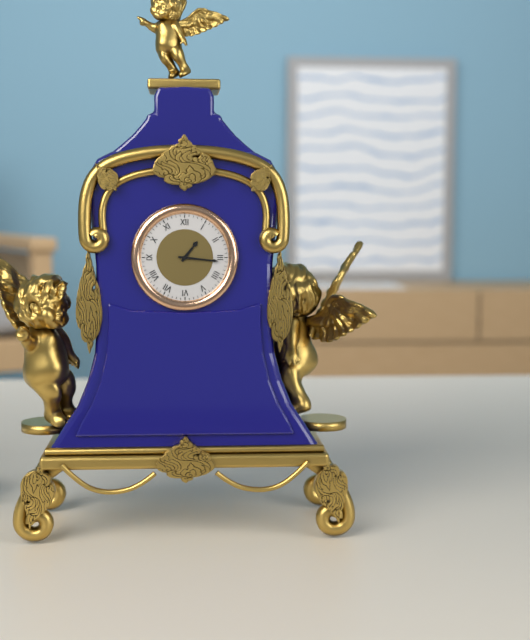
1:16
